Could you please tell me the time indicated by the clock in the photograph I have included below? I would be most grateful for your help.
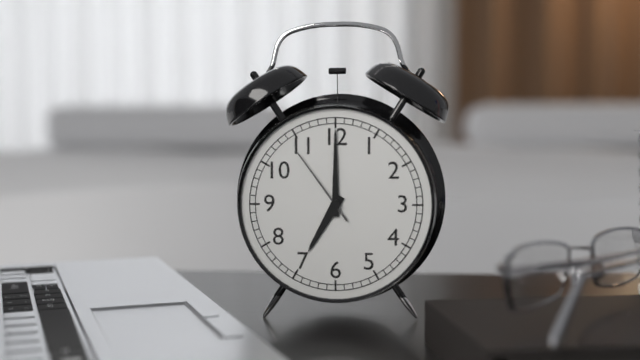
7:00:54
